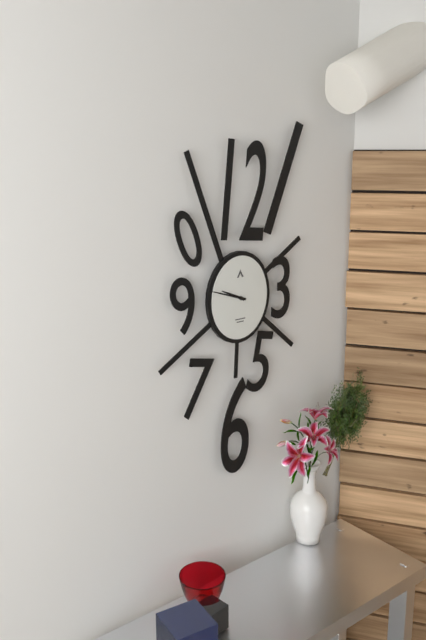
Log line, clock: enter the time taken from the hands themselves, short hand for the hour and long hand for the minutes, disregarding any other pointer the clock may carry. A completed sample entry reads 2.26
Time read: 9.48
